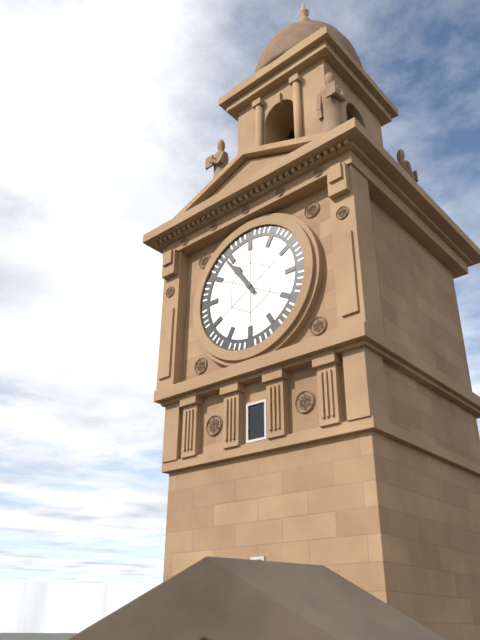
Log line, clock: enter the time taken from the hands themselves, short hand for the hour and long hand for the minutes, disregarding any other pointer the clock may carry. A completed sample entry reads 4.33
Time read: 10.54
